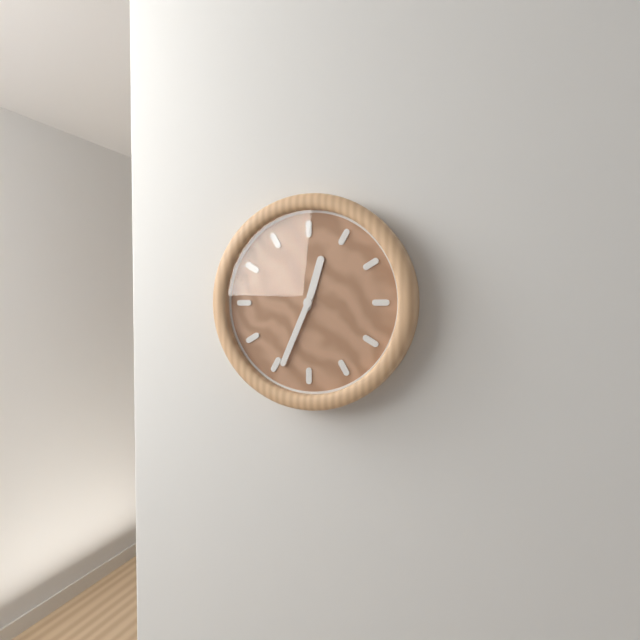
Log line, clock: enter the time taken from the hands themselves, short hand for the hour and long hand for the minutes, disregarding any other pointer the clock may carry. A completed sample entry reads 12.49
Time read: 12.34
